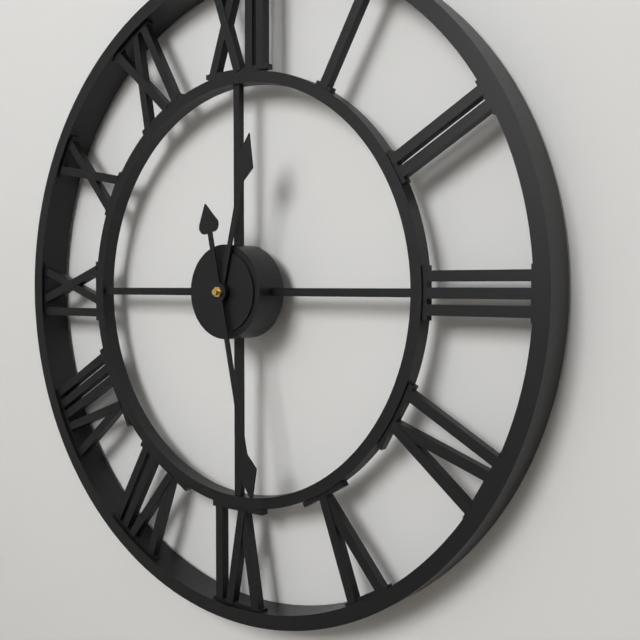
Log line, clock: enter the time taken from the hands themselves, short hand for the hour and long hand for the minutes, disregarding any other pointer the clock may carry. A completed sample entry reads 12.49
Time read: 12.28
